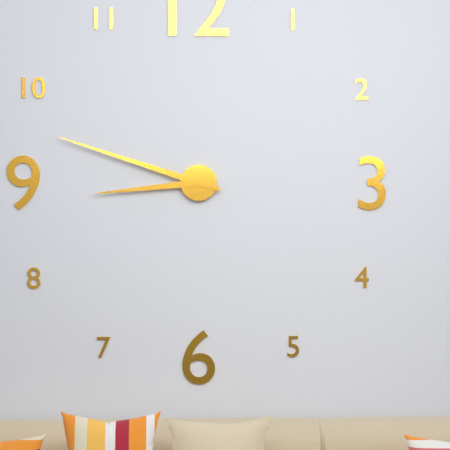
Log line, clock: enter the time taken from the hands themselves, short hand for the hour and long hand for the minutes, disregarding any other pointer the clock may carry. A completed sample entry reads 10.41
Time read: 8.48
